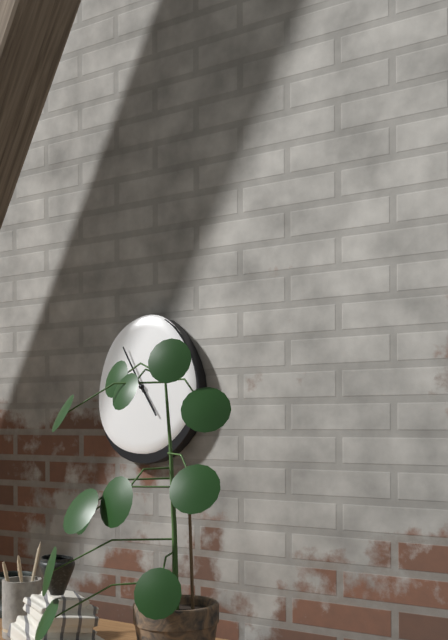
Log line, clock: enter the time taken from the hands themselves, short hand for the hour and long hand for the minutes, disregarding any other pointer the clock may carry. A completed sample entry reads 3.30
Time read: 4.55
